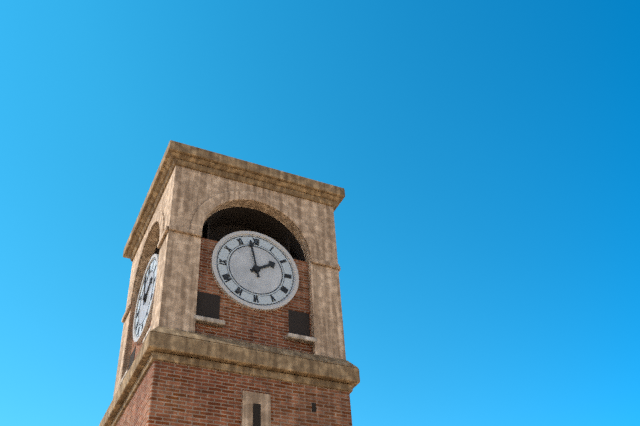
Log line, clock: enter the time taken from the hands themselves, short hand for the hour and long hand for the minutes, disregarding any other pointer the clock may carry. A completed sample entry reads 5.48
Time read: 1.58
